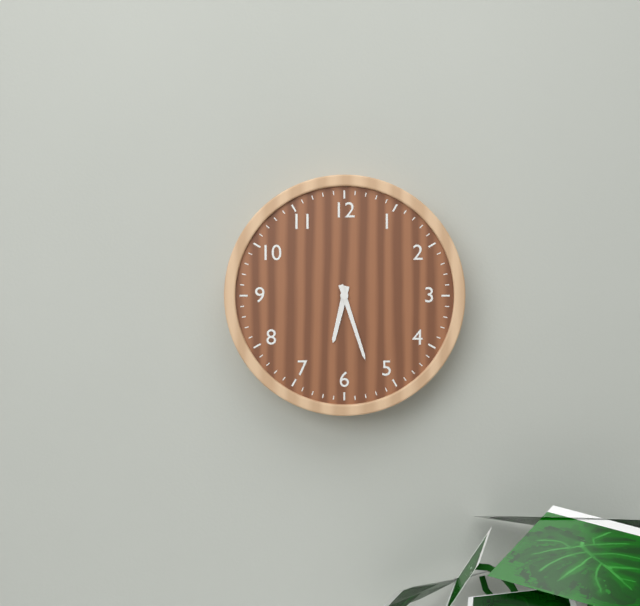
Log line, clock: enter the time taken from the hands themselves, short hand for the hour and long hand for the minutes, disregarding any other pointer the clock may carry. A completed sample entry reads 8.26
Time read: 6.27
